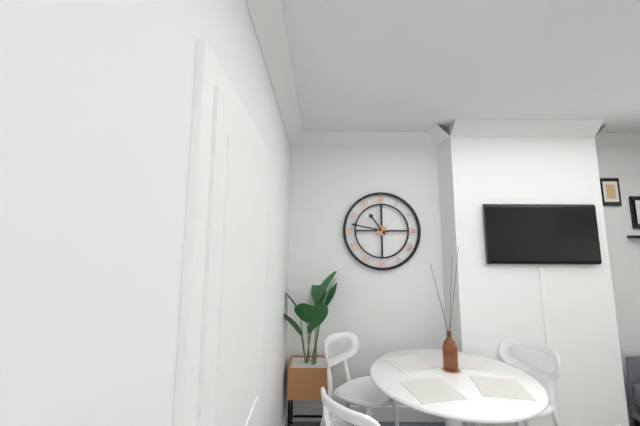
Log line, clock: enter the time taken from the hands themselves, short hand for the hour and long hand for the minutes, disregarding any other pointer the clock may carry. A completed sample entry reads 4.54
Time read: 10.47
